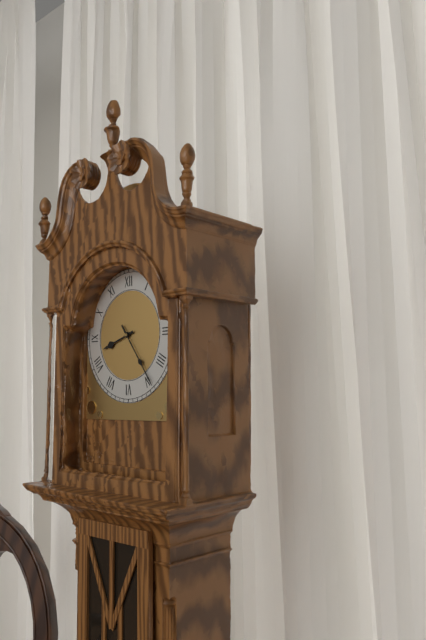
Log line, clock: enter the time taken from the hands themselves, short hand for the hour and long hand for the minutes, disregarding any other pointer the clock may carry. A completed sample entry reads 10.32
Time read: 8.24
